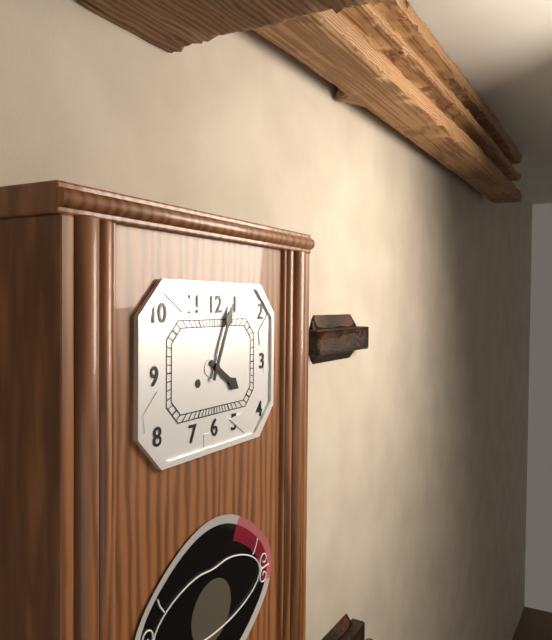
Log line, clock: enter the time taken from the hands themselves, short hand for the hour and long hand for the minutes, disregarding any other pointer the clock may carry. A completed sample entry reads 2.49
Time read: 4.04
